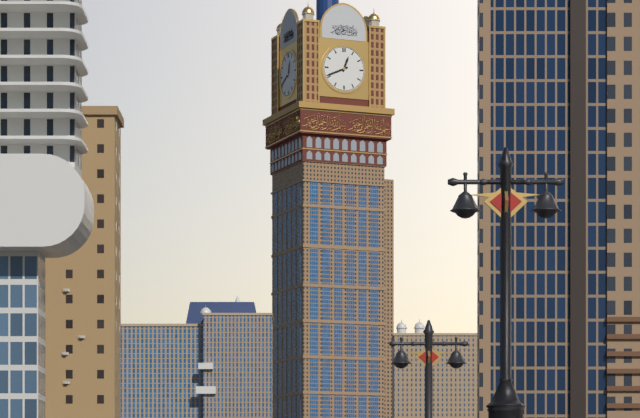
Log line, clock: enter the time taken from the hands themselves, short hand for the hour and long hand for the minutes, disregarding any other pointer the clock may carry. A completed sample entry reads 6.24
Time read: 12.41
